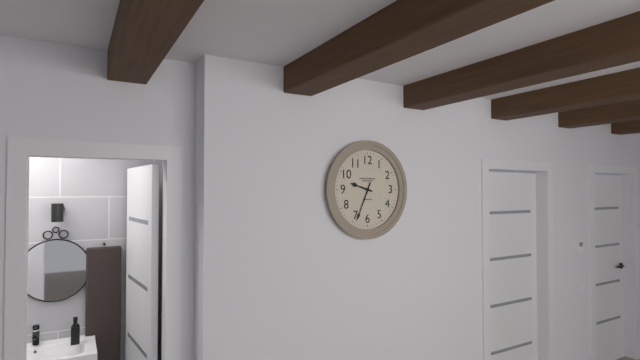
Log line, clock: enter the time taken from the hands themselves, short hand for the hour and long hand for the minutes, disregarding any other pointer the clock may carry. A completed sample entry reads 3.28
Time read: 9.34
